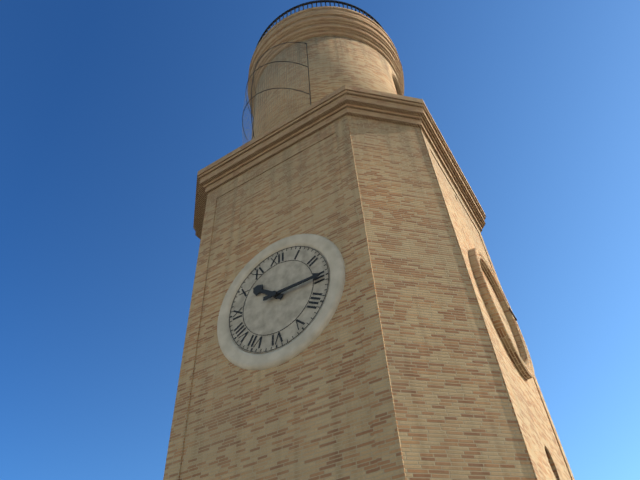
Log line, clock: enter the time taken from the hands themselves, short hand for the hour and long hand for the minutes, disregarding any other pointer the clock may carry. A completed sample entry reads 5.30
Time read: 10.15
